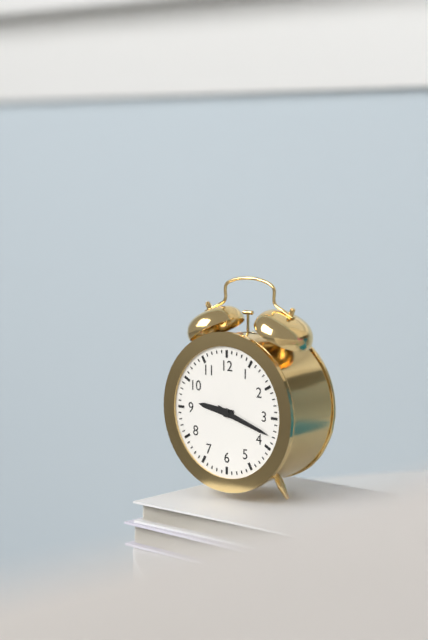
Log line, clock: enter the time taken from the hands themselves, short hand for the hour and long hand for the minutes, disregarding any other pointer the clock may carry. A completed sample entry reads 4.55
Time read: 9.18
